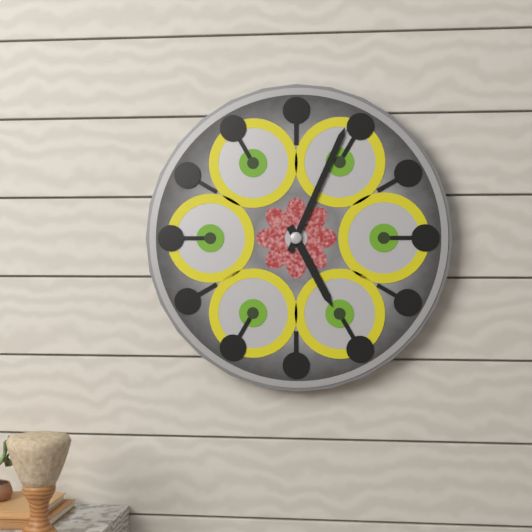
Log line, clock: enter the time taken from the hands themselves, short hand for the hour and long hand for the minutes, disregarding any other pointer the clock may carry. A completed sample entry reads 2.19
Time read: 5.04
